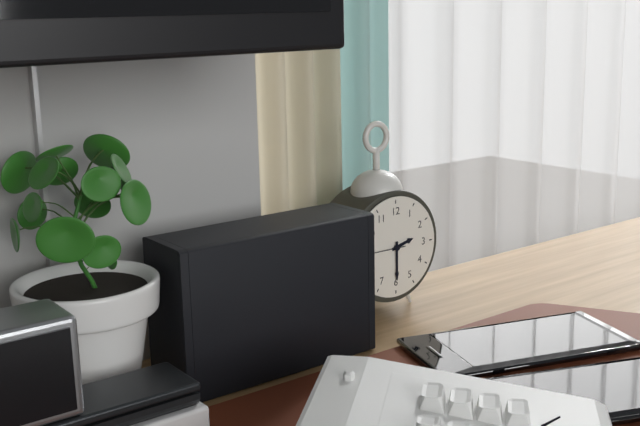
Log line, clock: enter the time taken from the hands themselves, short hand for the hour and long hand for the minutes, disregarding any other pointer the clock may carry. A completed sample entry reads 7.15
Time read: 2.30
